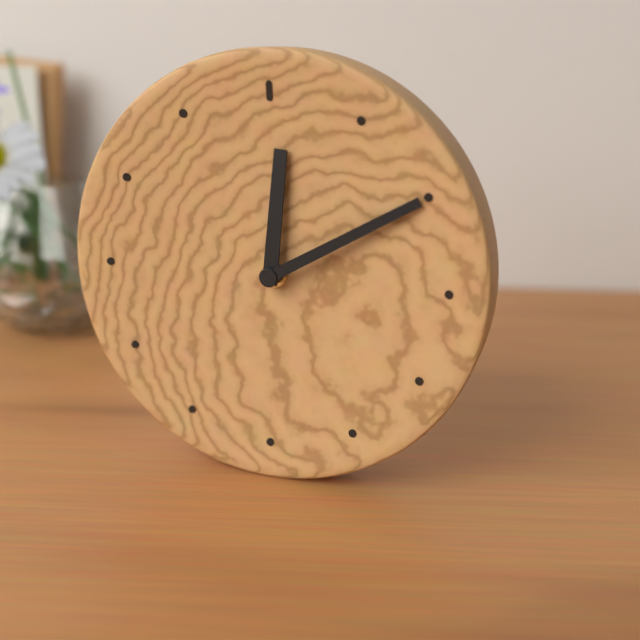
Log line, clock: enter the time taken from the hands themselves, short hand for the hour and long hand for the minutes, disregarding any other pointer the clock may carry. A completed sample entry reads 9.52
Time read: 12.10
